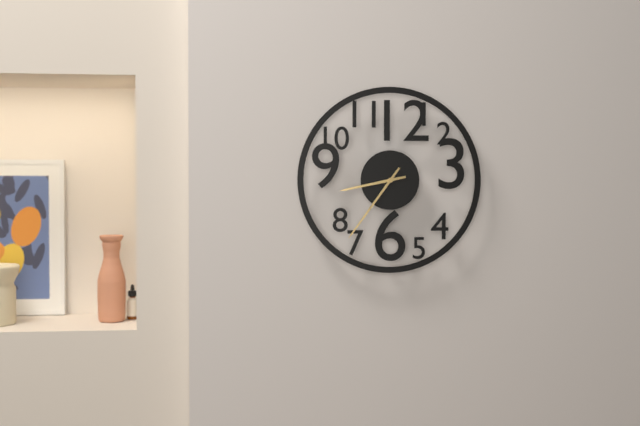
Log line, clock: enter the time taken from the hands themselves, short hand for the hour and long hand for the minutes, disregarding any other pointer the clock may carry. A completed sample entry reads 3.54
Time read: 8.36
